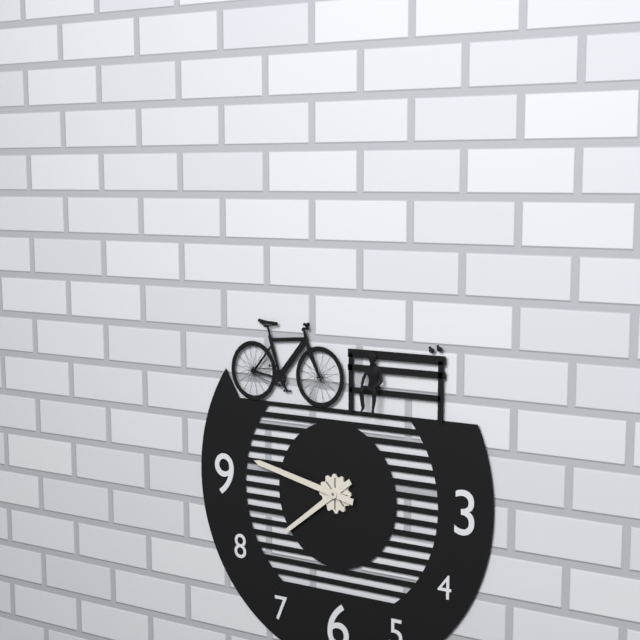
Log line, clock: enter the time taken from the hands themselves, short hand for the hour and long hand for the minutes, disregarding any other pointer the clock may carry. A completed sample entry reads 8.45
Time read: 7.47
